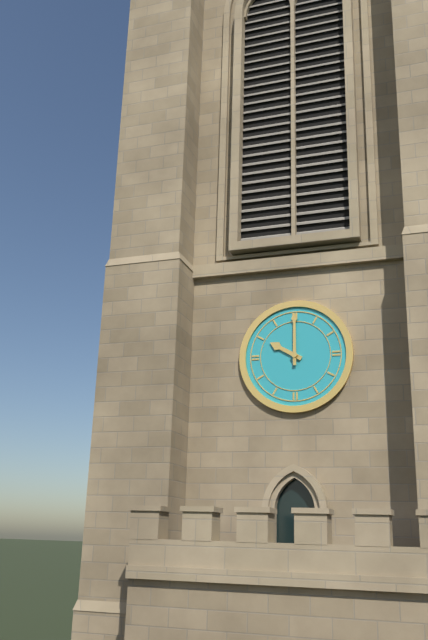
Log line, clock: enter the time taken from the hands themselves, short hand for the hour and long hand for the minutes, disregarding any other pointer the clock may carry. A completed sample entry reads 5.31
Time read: 10.00
